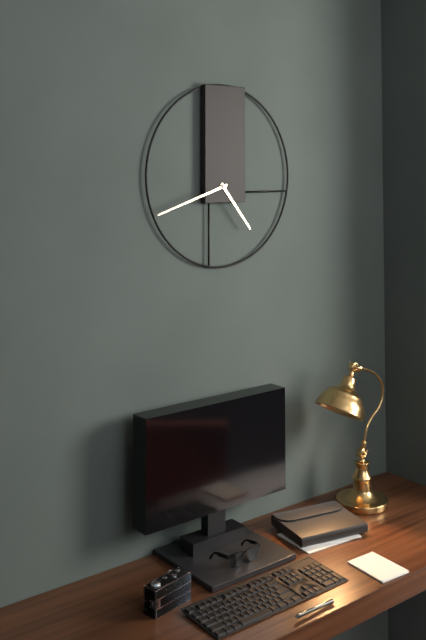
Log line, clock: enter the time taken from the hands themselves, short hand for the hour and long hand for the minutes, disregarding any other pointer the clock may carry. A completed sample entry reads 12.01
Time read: 4.42
